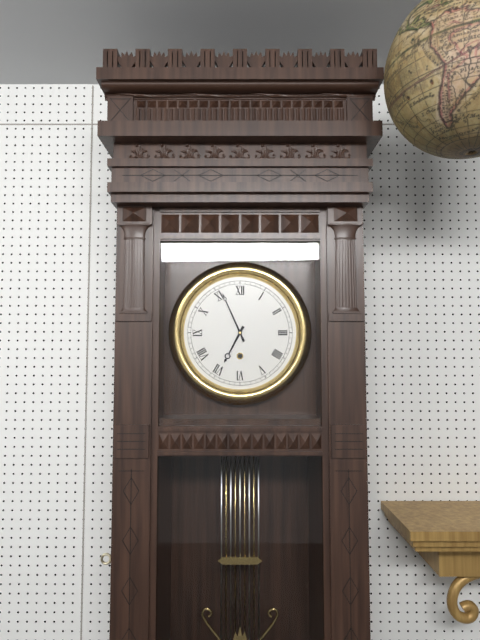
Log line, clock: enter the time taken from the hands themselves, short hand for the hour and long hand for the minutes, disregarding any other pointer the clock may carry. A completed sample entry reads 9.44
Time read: 6.56
